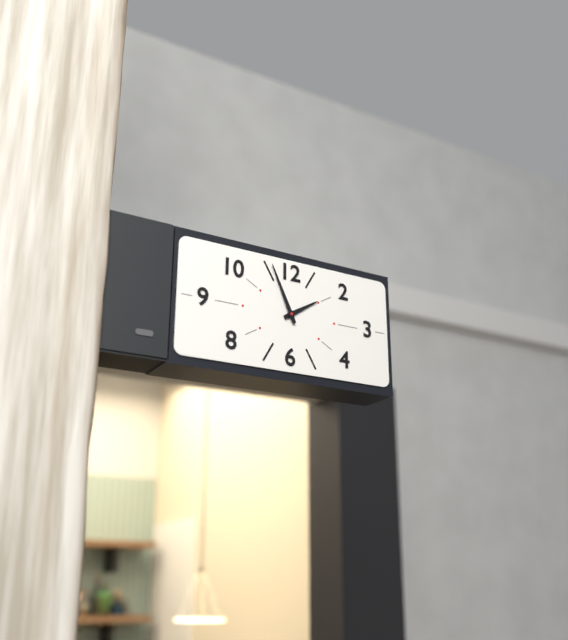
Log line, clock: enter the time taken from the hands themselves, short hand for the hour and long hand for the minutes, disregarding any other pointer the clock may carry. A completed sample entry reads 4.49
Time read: 1.56
